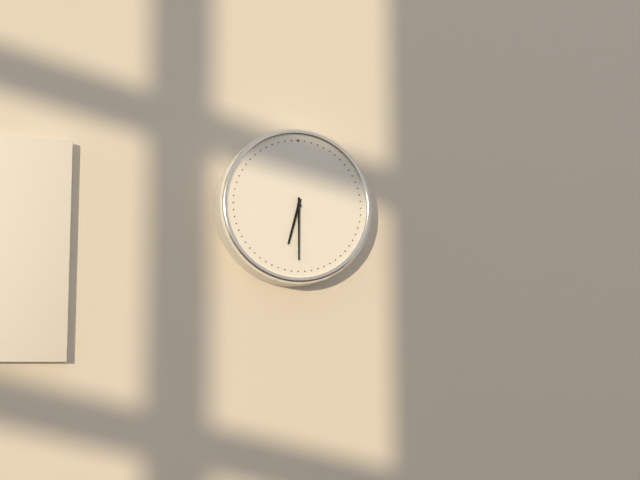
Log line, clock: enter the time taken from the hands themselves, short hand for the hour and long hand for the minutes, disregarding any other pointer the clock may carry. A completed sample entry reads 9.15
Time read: 6.30
